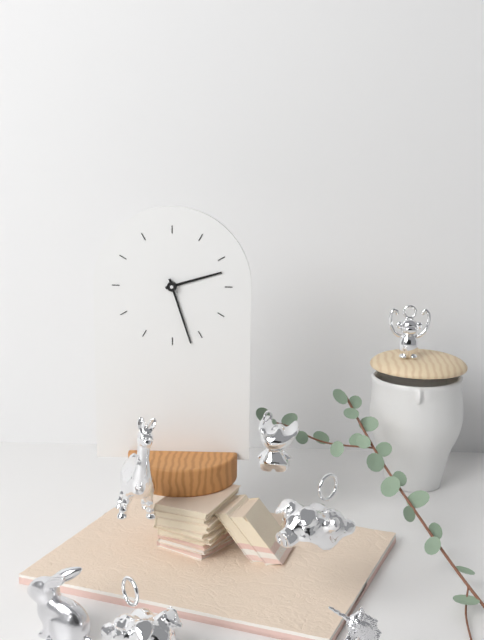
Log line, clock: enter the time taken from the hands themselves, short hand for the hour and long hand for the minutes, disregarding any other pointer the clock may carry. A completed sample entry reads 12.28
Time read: 2.27
